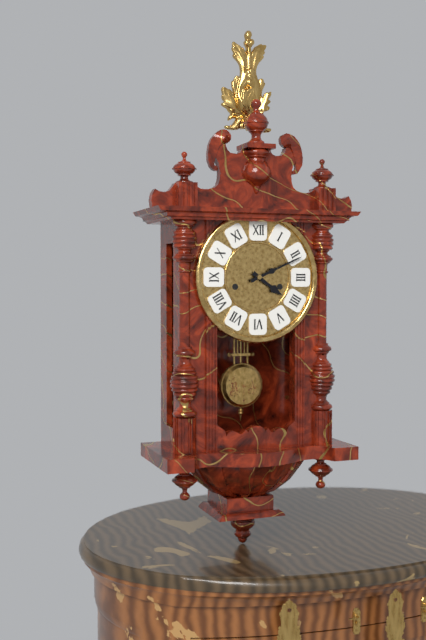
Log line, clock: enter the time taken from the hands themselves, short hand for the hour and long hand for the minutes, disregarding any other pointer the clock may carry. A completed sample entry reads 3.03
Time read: 4.11
